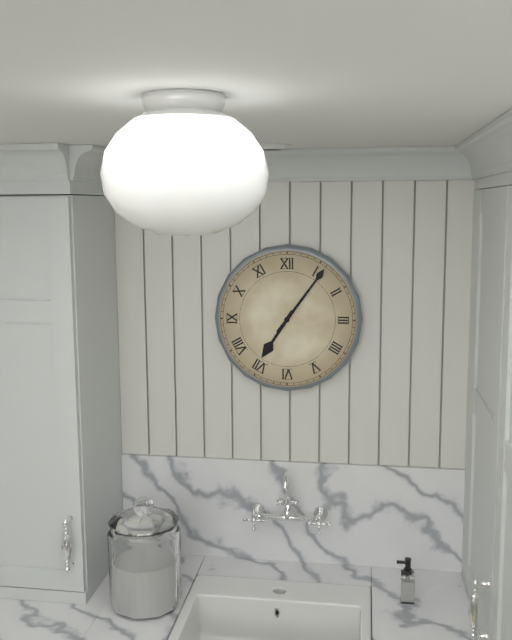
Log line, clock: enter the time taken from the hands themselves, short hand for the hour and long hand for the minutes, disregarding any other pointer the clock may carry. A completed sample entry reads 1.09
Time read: 7.06
